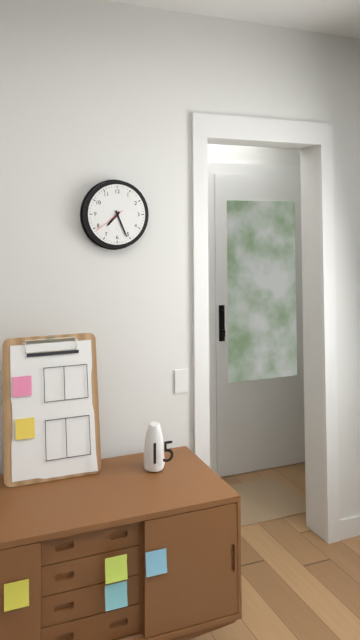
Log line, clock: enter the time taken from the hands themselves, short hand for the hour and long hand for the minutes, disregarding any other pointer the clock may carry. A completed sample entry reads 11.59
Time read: 7.26
